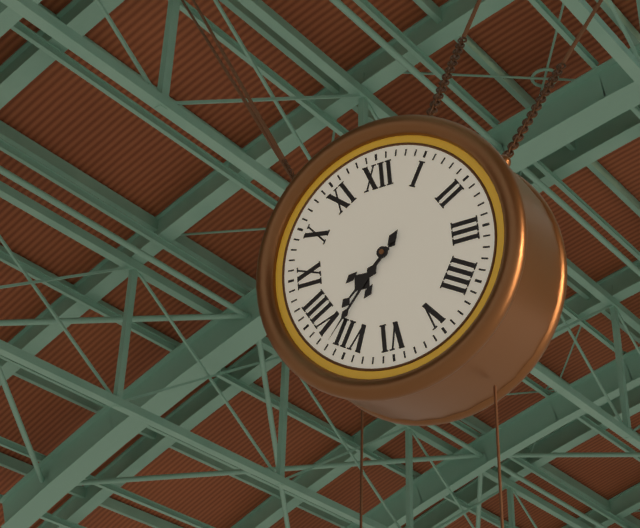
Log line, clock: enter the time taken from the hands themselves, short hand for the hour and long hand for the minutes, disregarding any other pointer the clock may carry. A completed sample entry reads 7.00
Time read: 7.37
